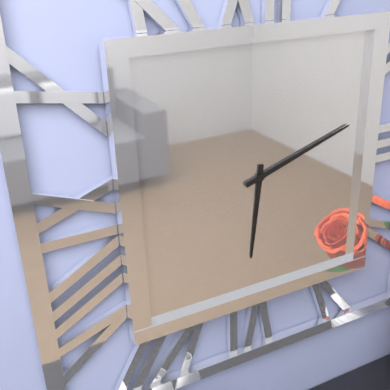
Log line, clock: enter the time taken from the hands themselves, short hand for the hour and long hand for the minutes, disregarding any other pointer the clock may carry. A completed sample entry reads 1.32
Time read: 6.12
